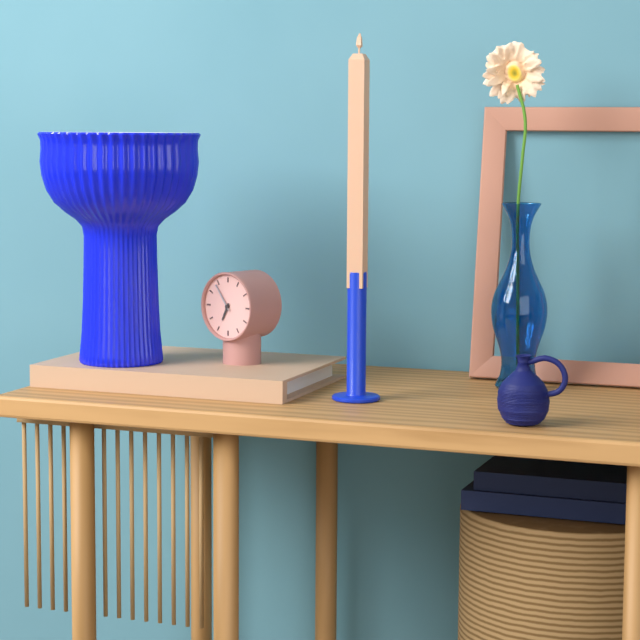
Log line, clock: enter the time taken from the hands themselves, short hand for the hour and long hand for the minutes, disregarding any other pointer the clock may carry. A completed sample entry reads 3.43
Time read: 6.54
